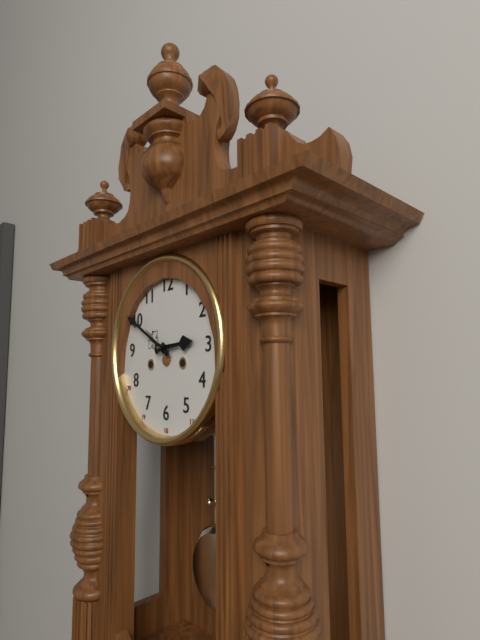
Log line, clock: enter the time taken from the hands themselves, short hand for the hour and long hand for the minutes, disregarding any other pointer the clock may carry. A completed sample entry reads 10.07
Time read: 2.50
